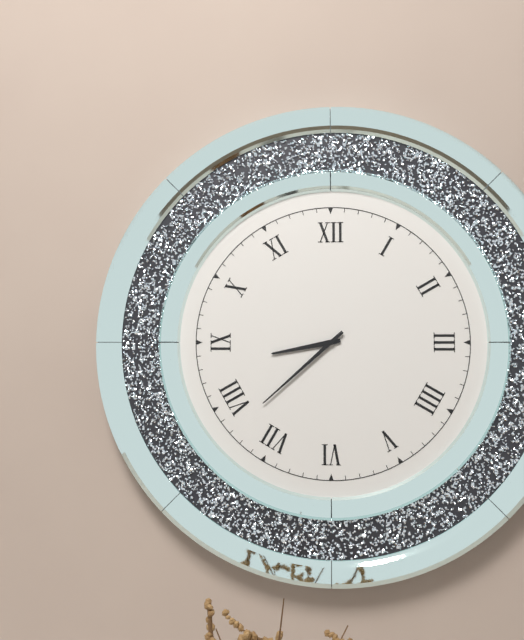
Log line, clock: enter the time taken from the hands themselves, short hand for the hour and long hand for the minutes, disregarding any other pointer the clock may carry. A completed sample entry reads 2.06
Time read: 8.38
